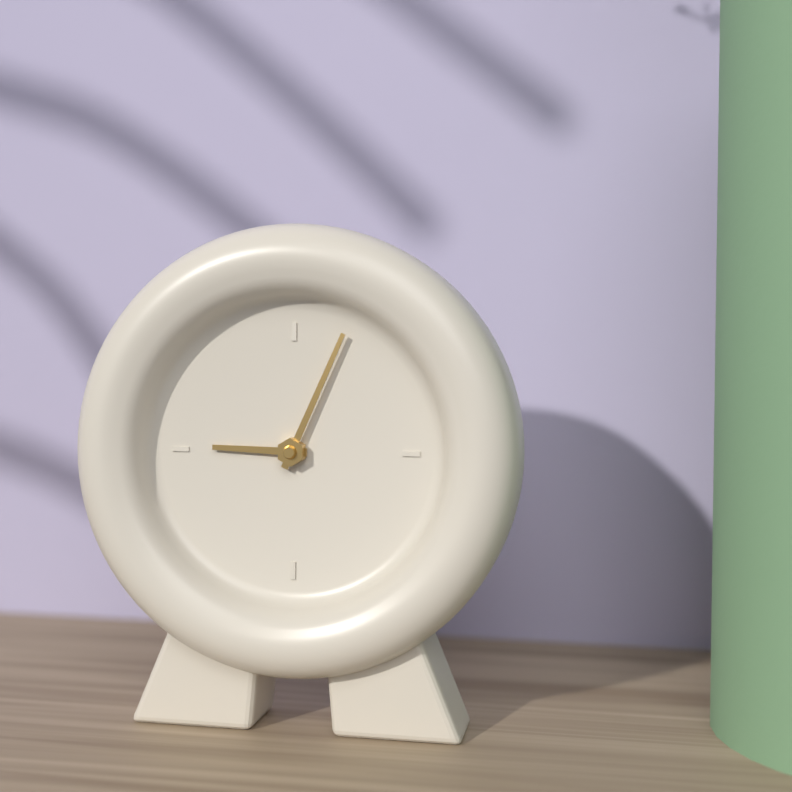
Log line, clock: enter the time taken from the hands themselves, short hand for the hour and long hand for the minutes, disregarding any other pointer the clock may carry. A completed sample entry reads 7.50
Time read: 9.04
